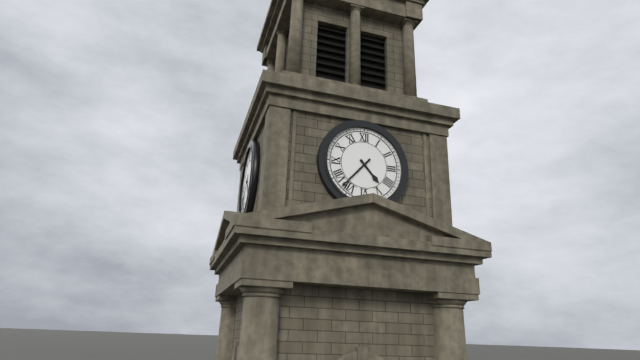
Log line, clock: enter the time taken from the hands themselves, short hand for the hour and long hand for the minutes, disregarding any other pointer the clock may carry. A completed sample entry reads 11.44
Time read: 4.37
